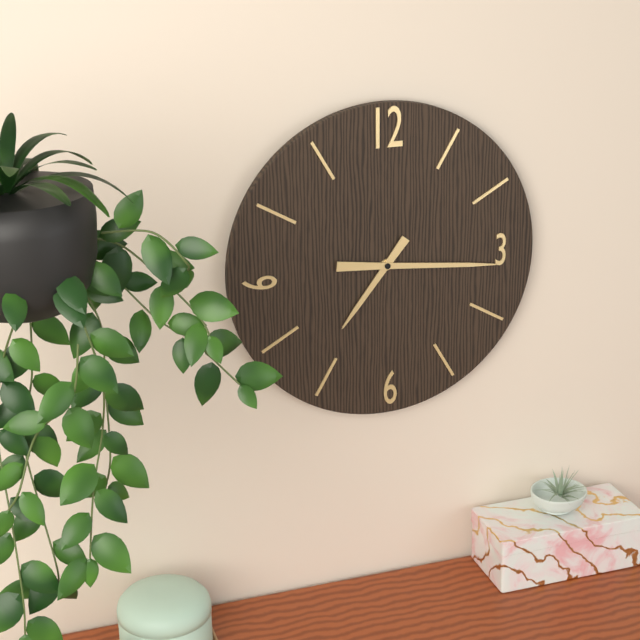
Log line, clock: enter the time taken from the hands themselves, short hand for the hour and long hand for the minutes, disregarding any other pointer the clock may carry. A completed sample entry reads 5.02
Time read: 7.16
